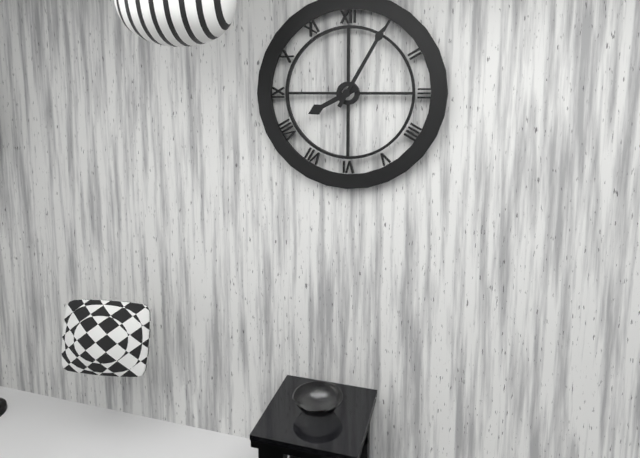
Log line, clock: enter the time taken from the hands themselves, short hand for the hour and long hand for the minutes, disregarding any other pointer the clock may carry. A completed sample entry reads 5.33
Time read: 8.05
